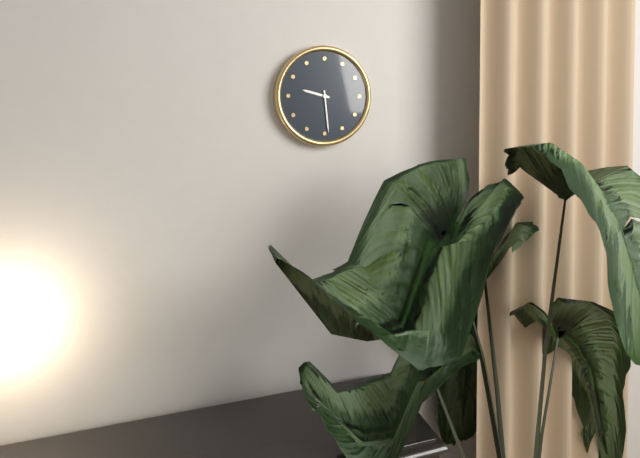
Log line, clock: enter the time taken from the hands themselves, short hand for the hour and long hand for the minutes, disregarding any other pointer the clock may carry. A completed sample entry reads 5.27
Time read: 9.29
